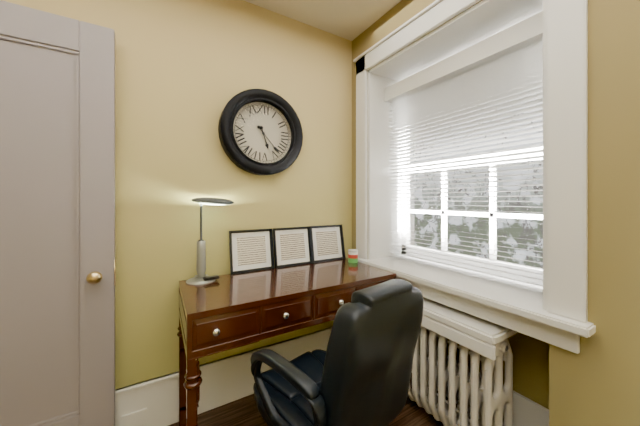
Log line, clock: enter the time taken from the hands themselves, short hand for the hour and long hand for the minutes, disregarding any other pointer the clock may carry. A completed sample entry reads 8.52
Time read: 5.23
